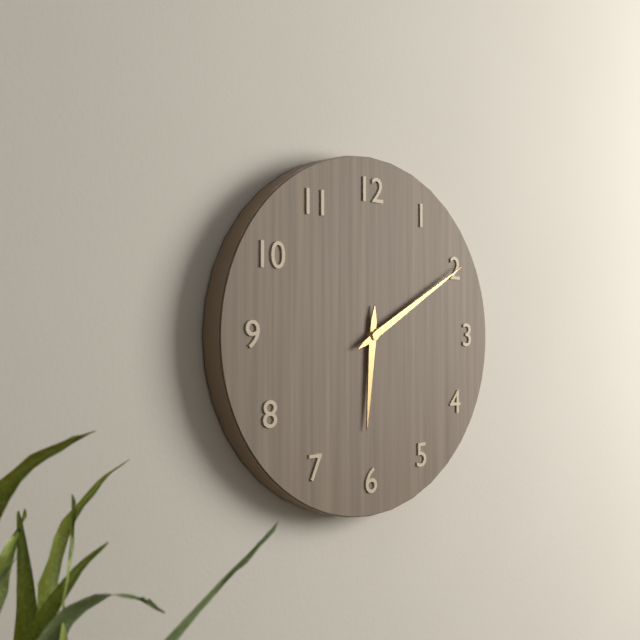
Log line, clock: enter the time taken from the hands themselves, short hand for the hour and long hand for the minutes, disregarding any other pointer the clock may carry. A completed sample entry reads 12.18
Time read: 6.10
